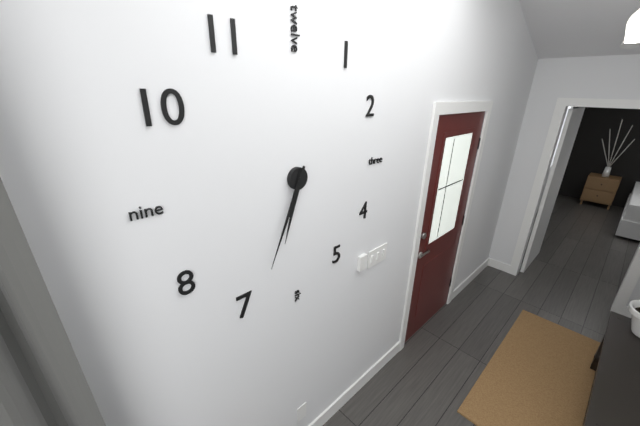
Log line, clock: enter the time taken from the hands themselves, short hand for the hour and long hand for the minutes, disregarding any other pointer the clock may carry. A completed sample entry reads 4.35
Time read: 6.34
